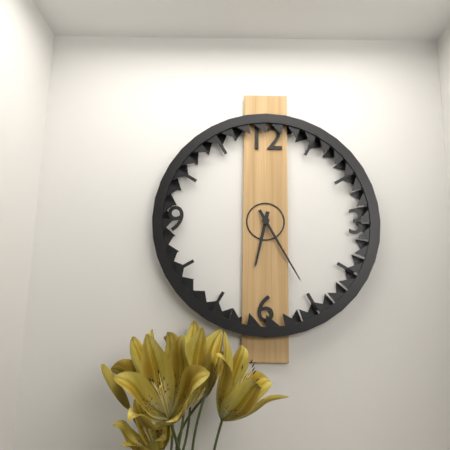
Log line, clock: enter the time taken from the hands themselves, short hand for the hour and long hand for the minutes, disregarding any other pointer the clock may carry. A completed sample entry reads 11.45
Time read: 6.25
